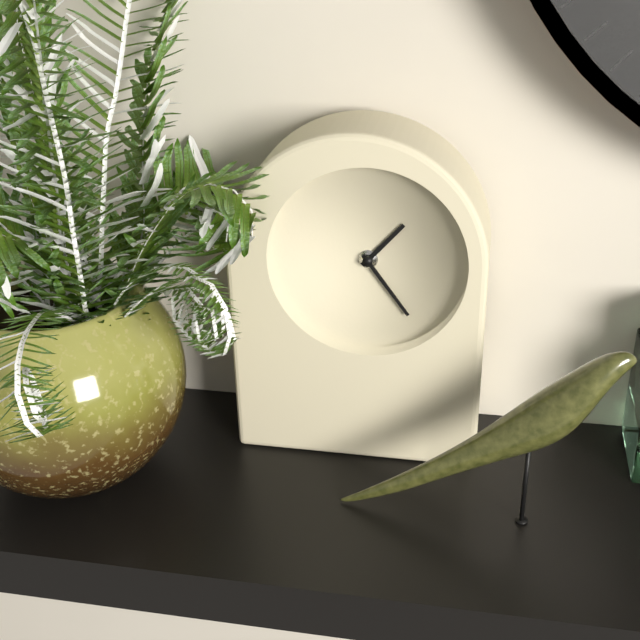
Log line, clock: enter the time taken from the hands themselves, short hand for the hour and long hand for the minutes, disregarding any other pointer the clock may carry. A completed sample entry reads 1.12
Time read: 1.24
